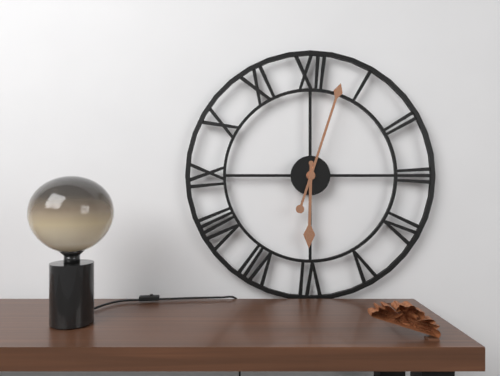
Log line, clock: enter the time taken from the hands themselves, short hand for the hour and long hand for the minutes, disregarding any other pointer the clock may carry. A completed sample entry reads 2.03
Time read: 6.03
